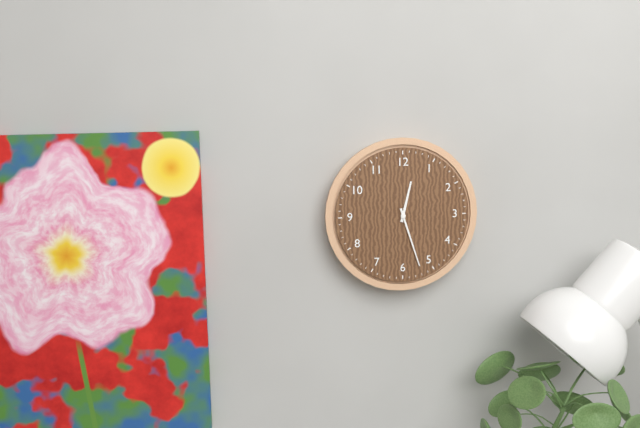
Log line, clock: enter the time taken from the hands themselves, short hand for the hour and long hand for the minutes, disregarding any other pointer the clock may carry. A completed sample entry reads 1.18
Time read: 12.27
